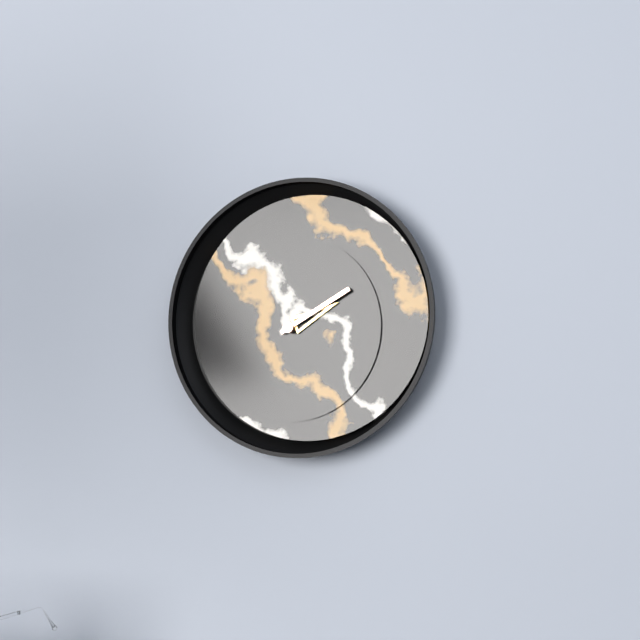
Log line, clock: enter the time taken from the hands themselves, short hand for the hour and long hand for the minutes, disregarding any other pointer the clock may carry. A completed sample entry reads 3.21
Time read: 2.10
